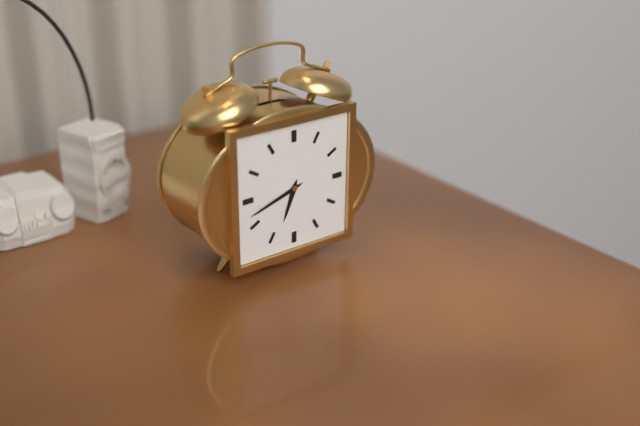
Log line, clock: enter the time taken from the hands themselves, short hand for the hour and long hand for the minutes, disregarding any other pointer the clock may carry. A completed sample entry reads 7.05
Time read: 6.42
